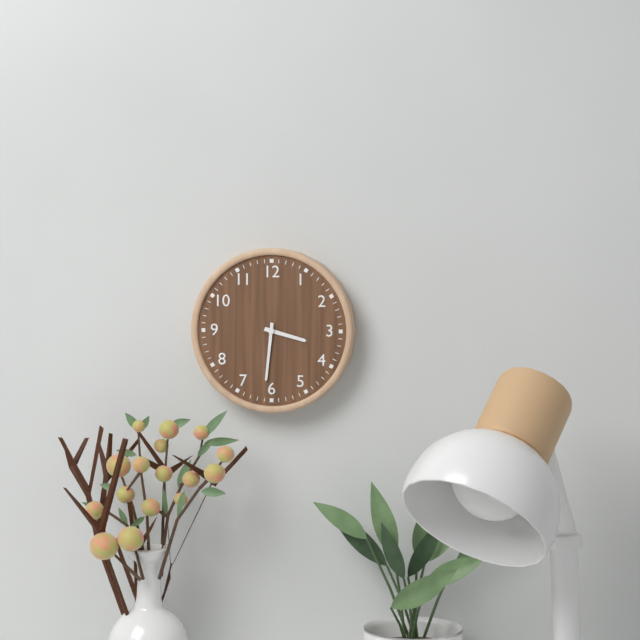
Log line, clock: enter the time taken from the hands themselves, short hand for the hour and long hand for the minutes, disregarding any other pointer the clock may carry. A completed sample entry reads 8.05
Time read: 3.31
